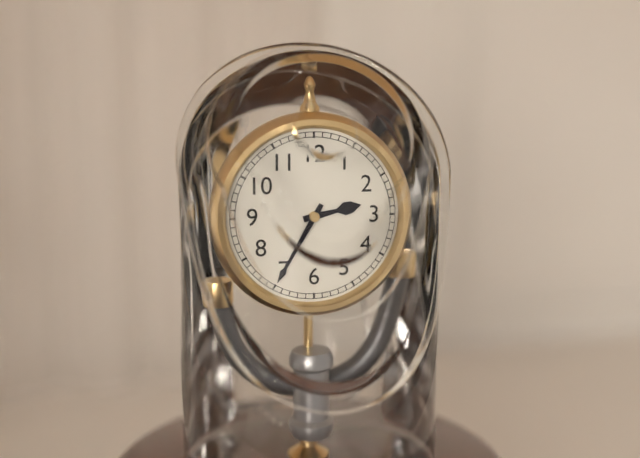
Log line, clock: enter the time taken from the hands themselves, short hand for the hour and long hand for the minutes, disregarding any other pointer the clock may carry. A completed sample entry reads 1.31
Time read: 2.35
